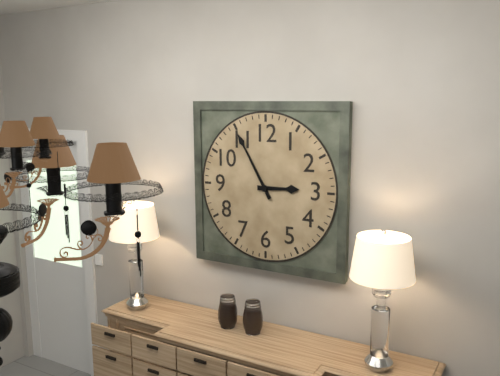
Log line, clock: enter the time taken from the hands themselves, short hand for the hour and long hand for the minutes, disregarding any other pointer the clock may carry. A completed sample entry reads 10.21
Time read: 2.55
